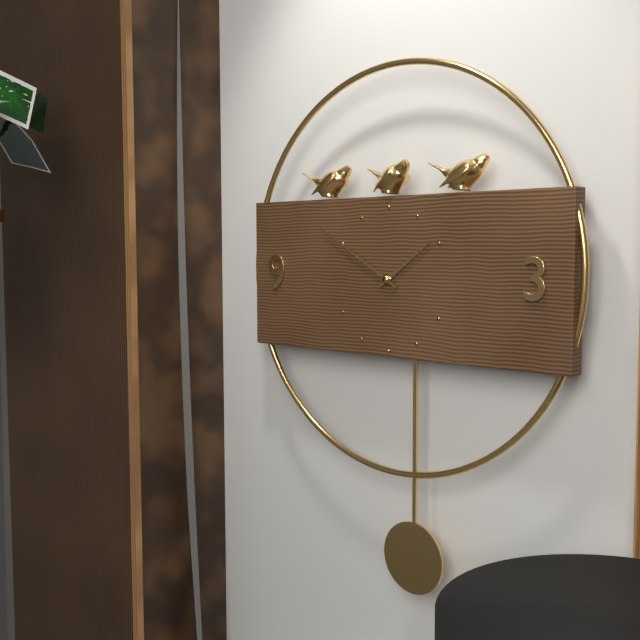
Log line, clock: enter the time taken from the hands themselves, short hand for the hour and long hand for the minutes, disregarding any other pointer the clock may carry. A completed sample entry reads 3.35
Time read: 1.50
